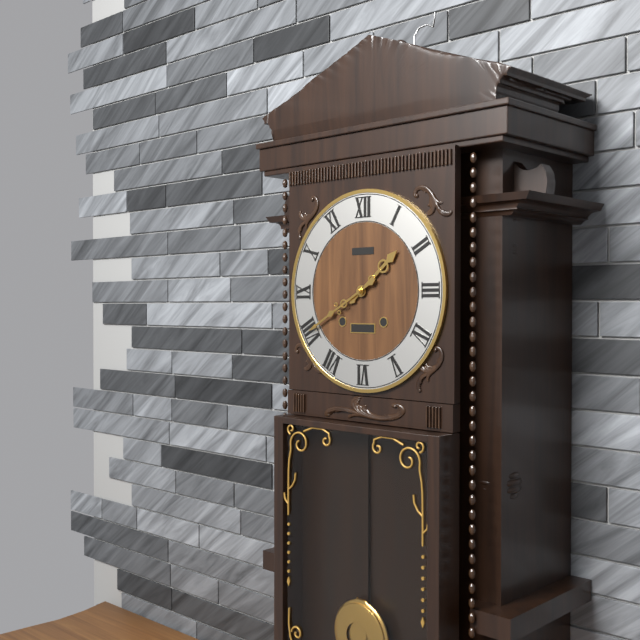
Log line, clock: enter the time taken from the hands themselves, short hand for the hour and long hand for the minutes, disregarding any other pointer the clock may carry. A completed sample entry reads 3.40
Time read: 1.40
